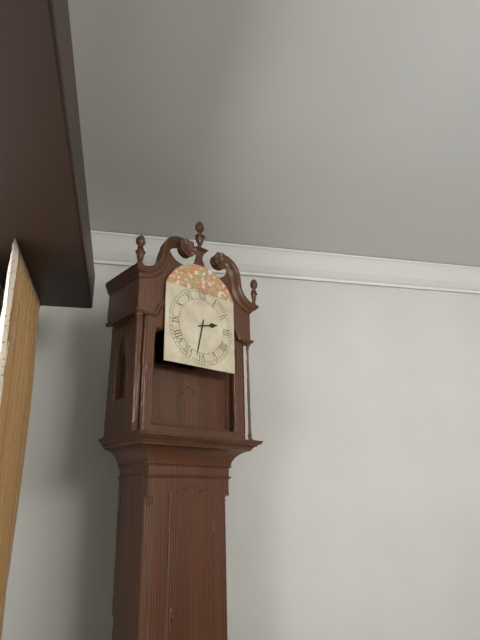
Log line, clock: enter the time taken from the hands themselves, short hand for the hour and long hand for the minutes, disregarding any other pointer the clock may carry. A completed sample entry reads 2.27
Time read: 2.32
